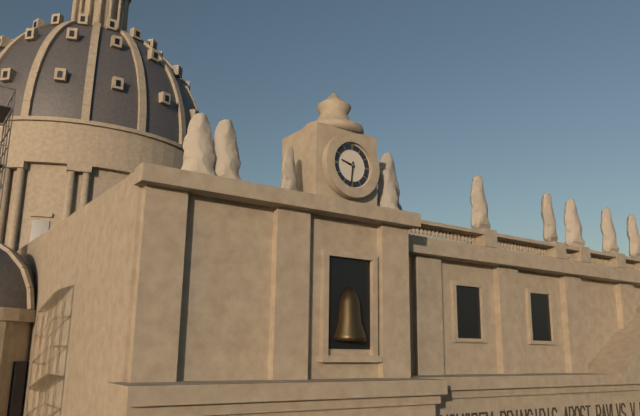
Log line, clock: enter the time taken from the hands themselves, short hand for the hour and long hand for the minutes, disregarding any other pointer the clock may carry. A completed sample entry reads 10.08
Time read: 9.31
